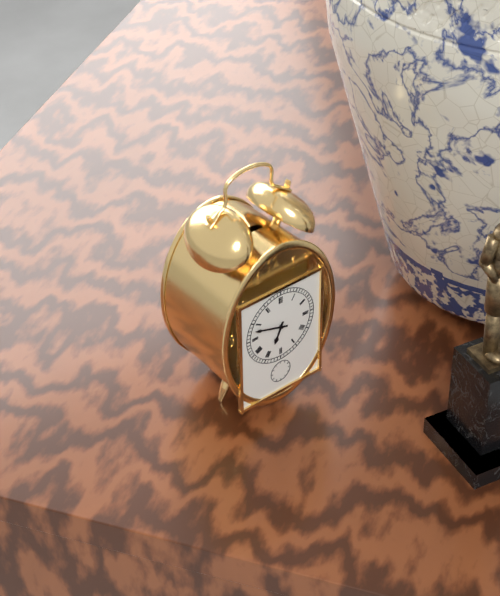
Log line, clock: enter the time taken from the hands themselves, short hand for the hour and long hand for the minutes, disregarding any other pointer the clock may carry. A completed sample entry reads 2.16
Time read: 6.48
